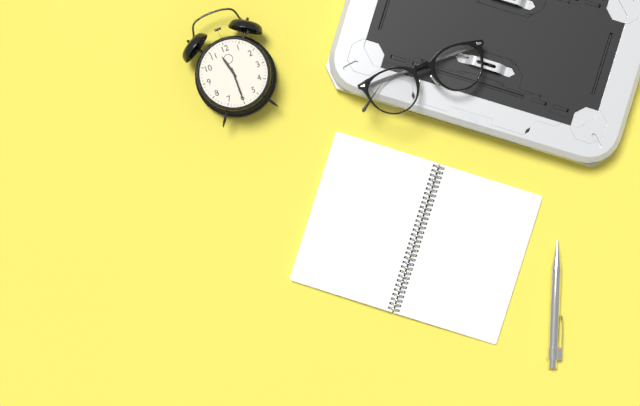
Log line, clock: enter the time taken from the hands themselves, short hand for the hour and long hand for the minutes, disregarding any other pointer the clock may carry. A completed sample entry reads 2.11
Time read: 11.30
